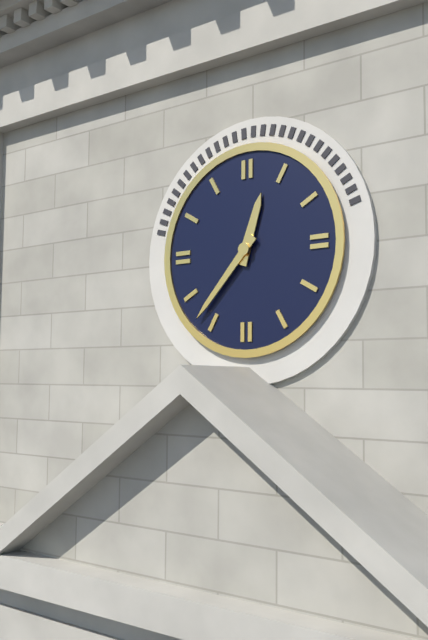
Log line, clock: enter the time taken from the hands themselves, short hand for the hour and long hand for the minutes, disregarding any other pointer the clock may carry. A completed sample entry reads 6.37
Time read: 12.37
